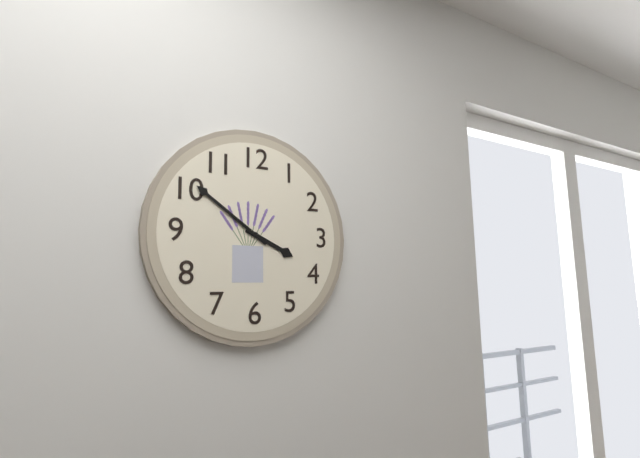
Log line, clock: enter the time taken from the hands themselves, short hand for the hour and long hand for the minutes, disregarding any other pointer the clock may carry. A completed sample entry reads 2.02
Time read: 3.51
